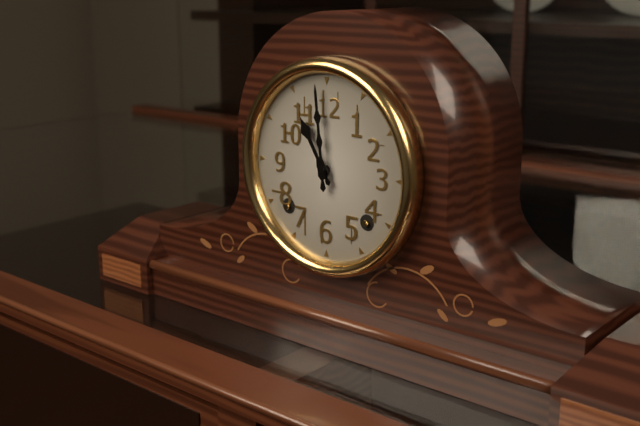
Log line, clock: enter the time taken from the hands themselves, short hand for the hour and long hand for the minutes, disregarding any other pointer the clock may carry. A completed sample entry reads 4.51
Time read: 10.59
